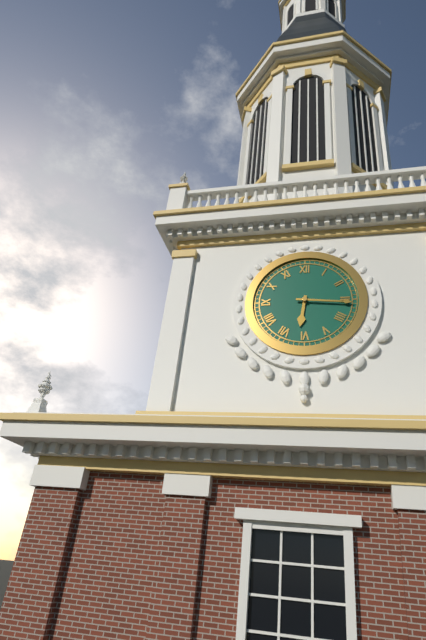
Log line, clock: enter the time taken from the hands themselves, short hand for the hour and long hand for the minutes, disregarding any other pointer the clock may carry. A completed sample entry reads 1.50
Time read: 6.16
